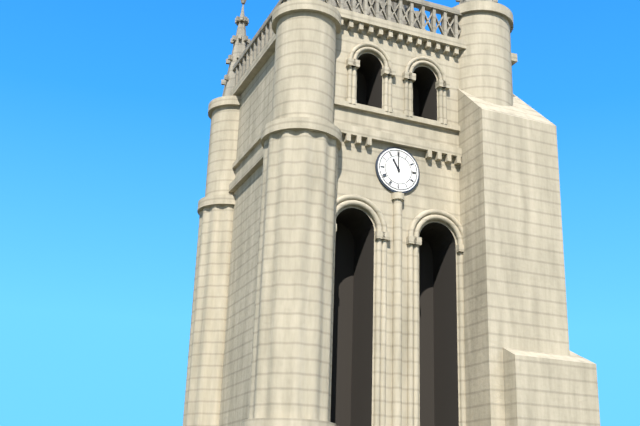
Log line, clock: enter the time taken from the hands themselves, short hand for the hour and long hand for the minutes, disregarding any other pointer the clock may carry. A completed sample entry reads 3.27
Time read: 11.00
